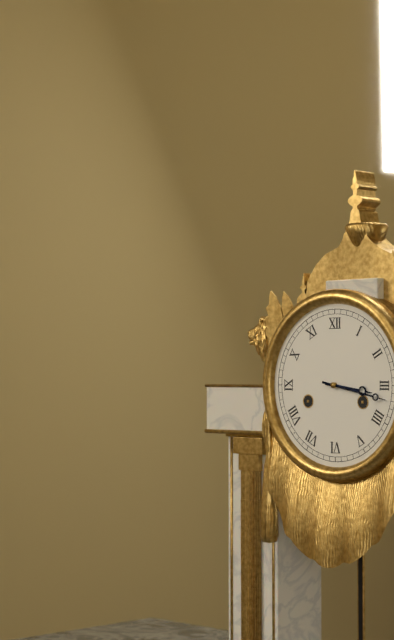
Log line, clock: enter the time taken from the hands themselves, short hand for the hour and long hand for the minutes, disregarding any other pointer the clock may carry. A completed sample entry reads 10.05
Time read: 3.17
